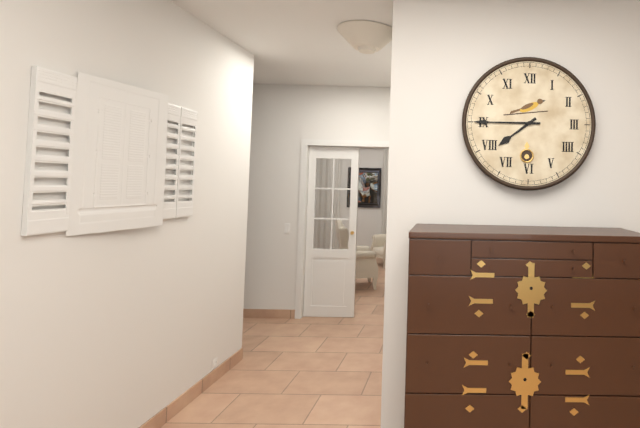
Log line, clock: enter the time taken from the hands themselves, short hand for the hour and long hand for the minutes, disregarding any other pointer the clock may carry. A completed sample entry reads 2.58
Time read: 7.45
